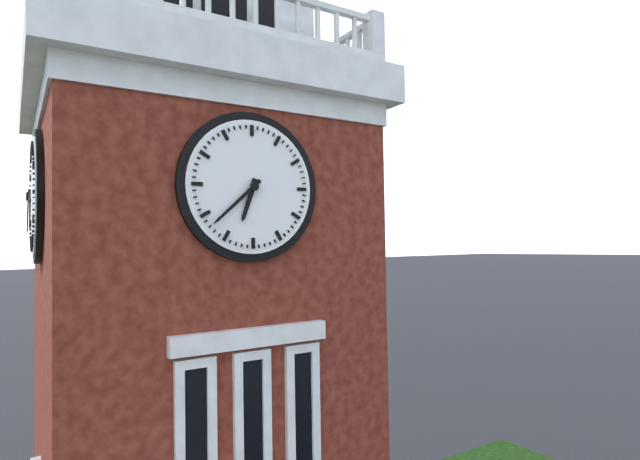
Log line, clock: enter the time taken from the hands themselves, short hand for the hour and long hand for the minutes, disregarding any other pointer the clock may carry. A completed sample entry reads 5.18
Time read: 6.38
